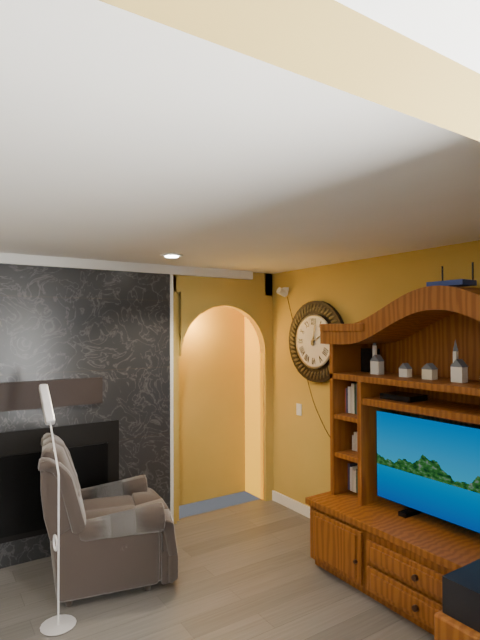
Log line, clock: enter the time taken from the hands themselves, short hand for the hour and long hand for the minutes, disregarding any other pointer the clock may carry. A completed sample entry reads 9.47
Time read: 2.02
